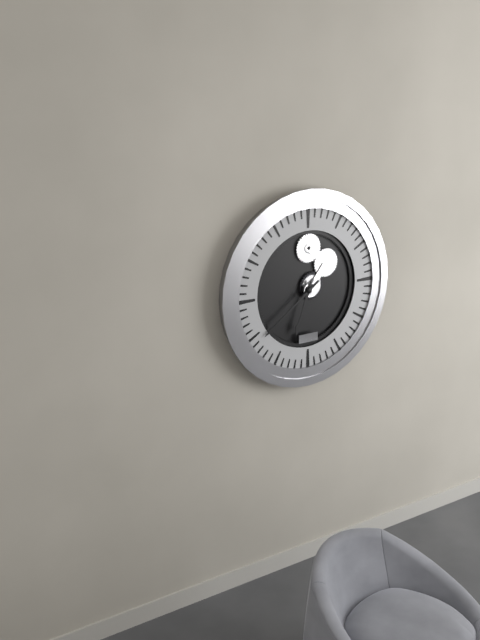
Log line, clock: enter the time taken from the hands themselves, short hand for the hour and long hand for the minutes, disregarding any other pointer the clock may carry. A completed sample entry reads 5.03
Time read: 6.39
